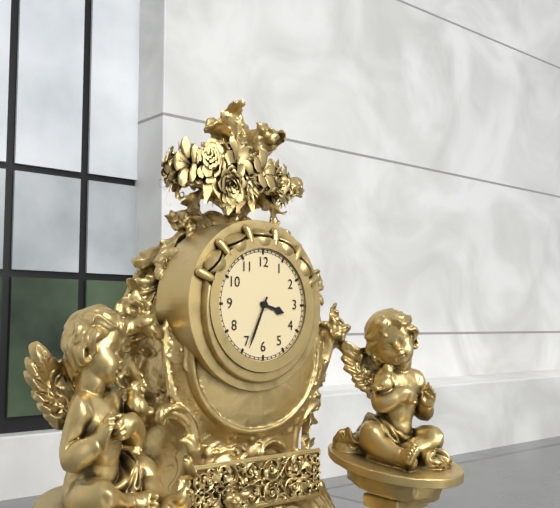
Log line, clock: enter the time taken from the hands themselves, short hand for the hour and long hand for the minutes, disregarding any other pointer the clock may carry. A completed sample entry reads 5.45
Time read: 3.34
